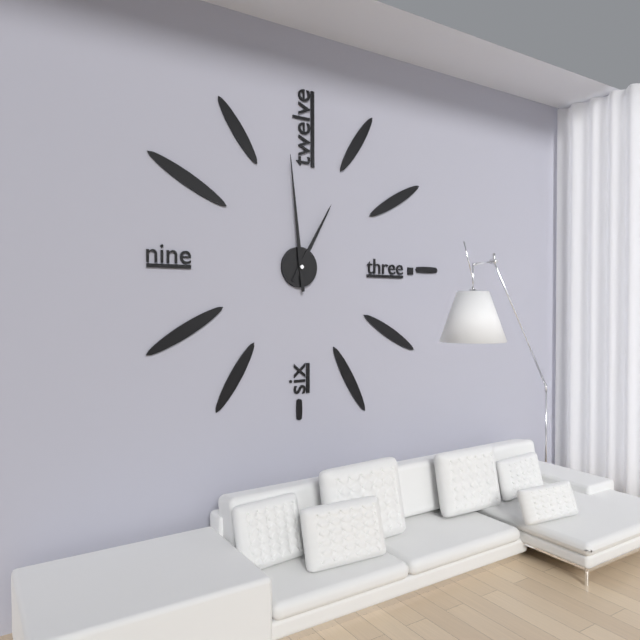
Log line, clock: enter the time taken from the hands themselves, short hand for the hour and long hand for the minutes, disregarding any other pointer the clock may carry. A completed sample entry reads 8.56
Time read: 12.59
